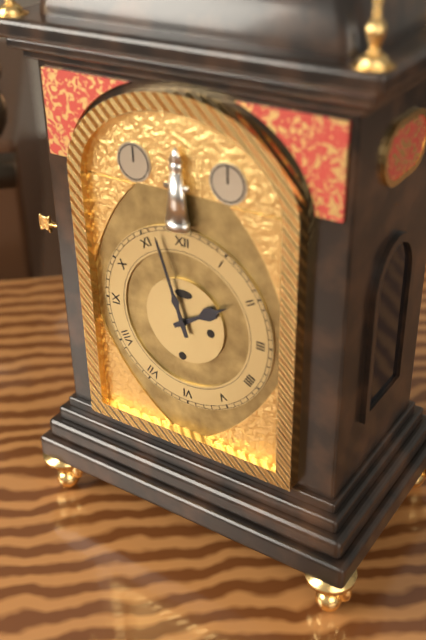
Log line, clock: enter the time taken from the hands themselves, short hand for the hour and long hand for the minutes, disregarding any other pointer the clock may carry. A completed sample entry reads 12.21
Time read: 1.57
